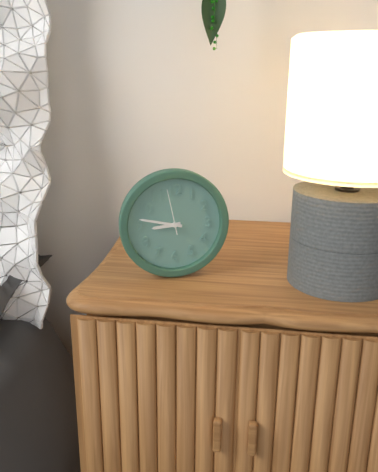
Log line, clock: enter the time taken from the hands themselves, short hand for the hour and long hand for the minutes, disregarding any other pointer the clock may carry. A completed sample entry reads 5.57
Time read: 8.47
